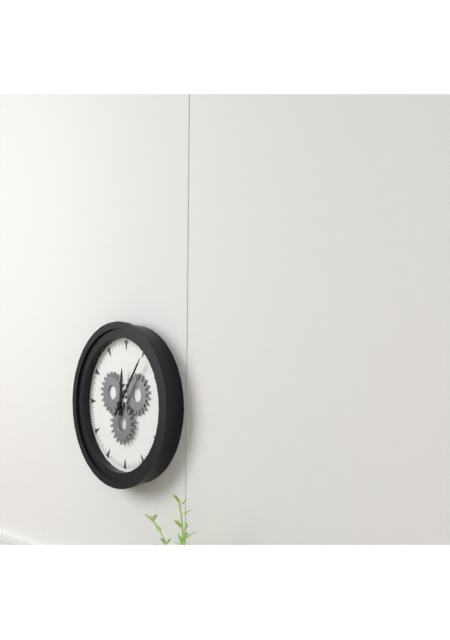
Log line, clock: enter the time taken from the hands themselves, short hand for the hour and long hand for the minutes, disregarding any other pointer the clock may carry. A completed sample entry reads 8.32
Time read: 12.06
